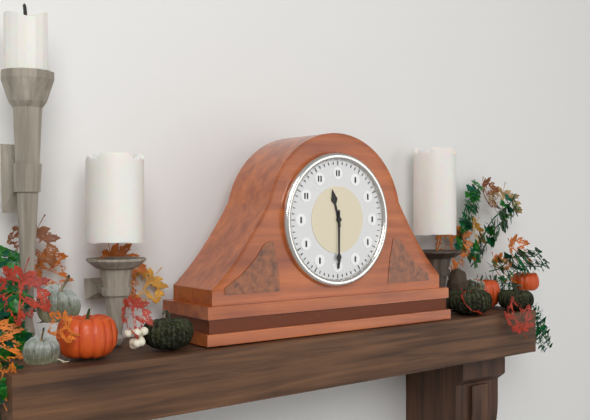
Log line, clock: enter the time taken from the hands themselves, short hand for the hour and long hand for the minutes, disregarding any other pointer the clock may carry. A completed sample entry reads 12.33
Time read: 11.30
